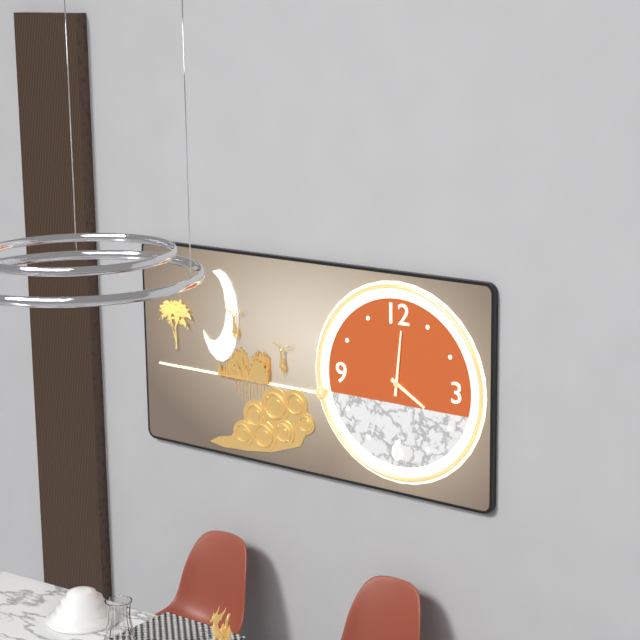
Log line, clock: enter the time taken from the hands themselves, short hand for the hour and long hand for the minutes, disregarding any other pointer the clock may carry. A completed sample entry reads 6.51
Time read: 4.01
